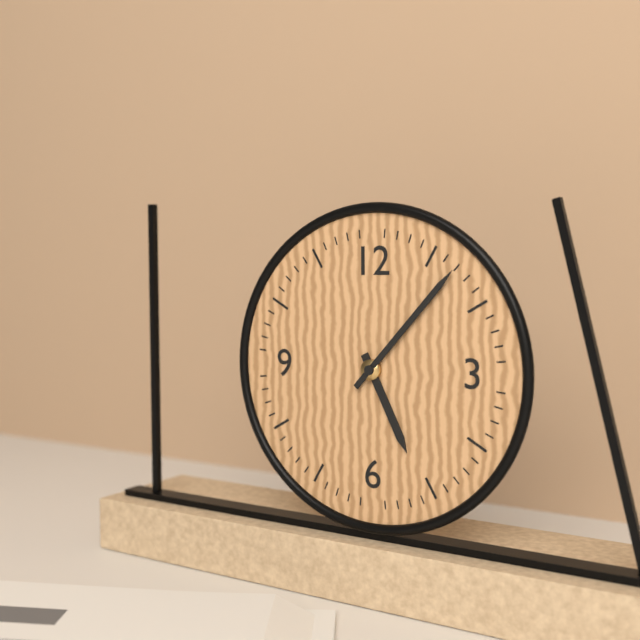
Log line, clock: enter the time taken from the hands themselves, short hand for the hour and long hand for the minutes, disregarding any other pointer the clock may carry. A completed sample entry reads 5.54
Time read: 5.07
